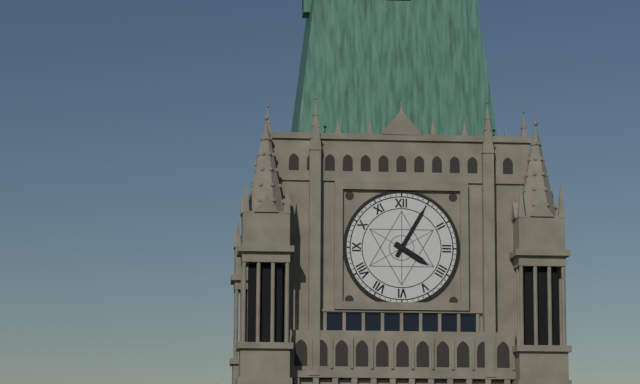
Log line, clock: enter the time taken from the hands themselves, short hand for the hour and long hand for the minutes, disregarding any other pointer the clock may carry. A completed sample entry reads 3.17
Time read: 4.05
